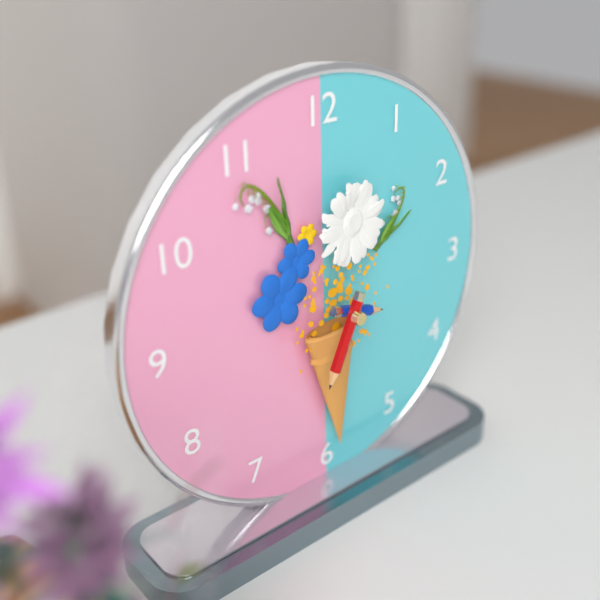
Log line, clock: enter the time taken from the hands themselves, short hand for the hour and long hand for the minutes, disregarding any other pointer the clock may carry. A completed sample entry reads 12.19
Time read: 3.34
